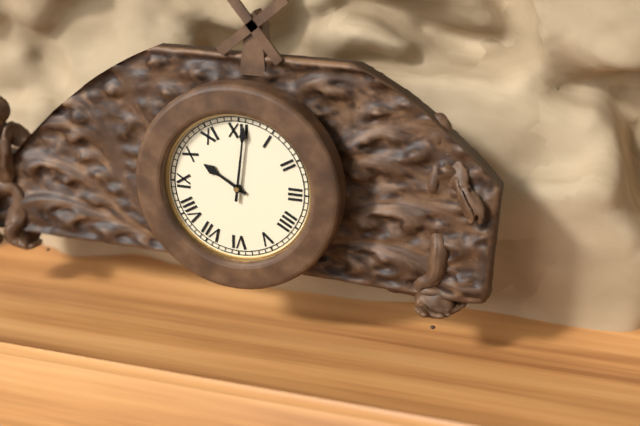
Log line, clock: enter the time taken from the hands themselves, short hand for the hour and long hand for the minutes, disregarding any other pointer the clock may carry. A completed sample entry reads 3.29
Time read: 10.01
